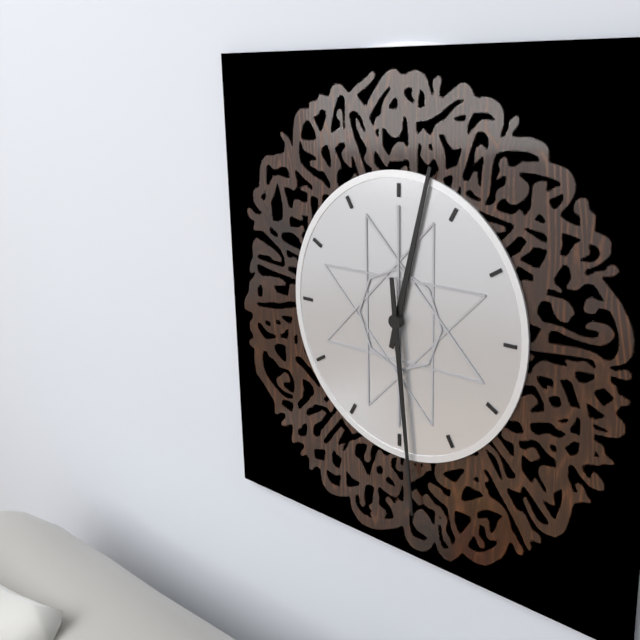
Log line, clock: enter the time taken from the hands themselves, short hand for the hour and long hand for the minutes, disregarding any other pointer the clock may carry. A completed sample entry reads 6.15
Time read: 12.29
